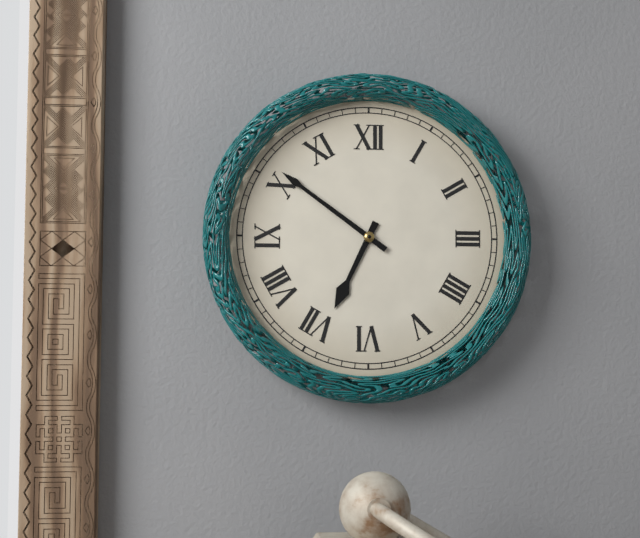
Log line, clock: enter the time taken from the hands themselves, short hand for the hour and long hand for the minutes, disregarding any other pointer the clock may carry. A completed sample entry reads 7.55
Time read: 6.51
